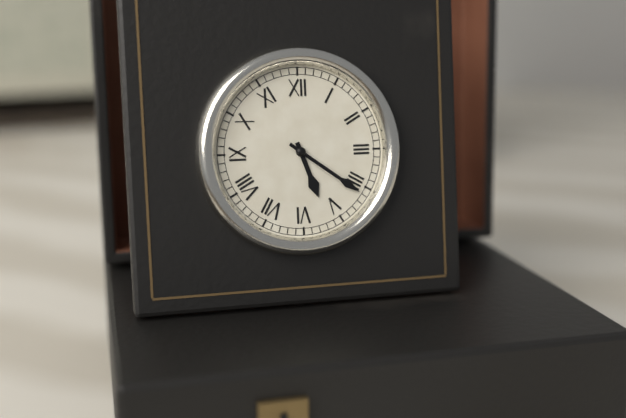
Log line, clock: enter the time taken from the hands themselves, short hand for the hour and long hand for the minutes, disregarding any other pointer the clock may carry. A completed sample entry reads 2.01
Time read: 5.21
